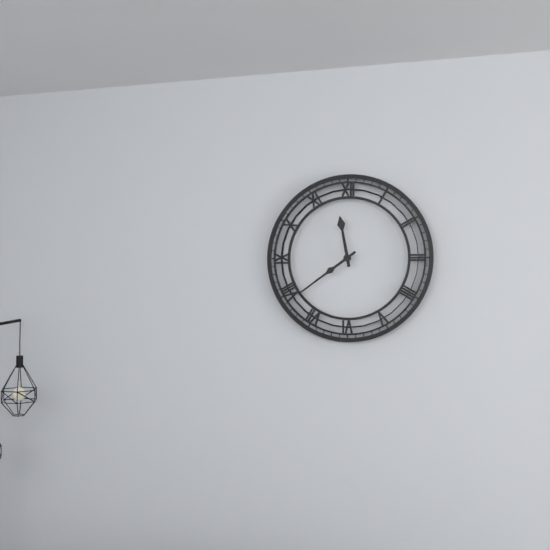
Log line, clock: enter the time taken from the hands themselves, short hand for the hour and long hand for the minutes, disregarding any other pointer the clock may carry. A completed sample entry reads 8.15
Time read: 11.39
